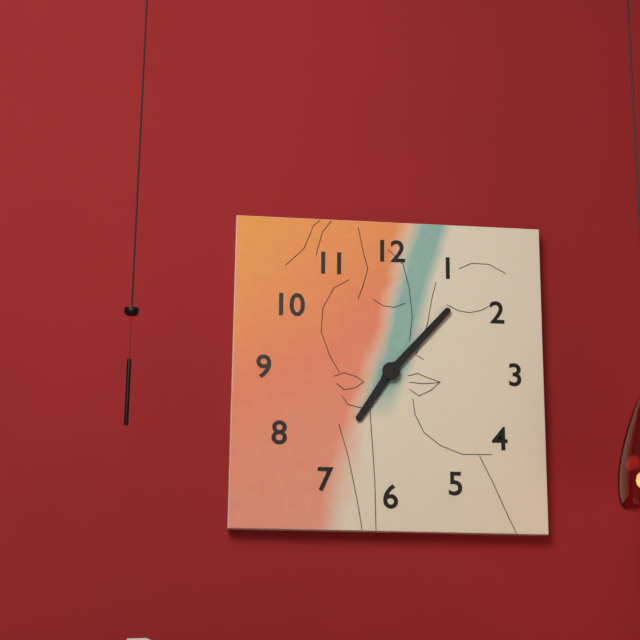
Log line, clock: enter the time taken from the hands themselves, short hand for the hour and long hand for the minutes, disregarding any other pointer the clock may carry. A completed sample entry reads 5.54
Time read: 7.07
